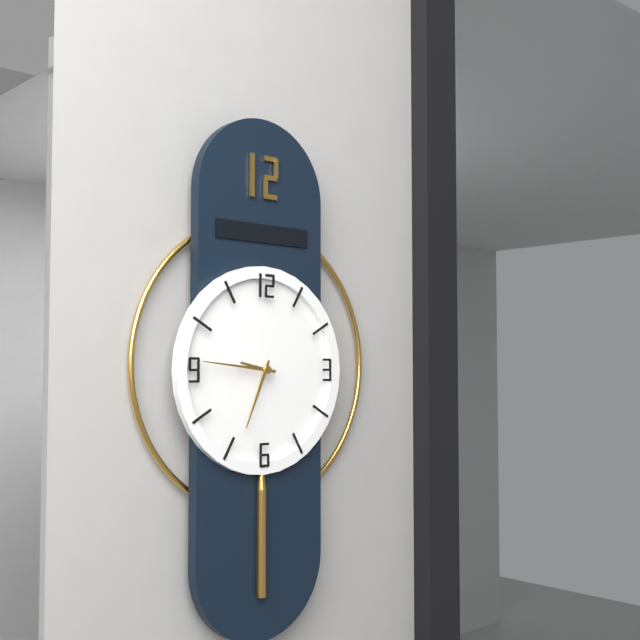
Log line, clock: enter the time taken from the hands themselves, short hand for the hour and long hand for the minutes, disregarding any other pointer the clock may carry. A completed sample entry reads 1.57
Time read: 6.46
